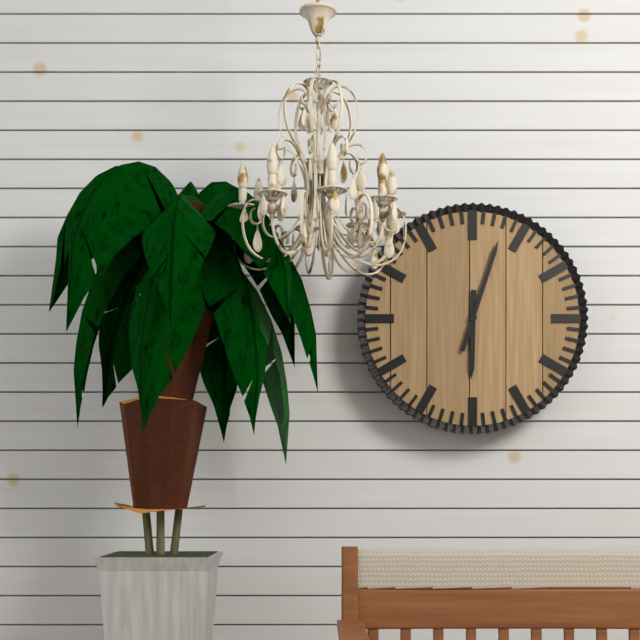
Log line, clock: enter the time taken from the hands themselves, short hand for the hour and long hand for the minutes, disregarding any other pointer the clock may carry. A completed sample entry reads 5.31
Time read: 6.03
